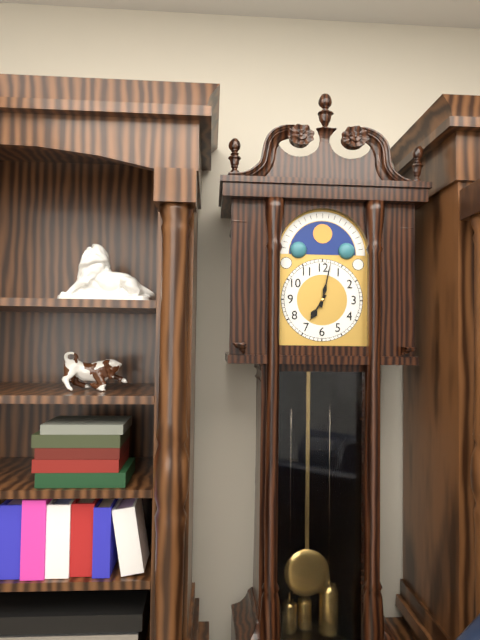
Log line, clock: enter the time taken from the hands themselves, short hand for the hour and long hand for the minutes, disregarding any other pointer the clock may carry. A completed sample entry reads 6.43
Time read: 7.02
